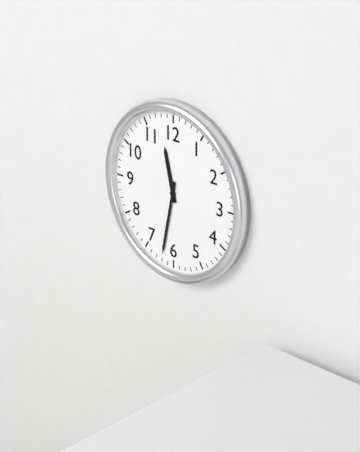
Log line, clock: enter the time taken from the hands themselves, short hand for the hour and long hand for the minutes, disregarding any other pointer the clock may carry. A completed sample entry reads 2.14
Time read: 11.32
